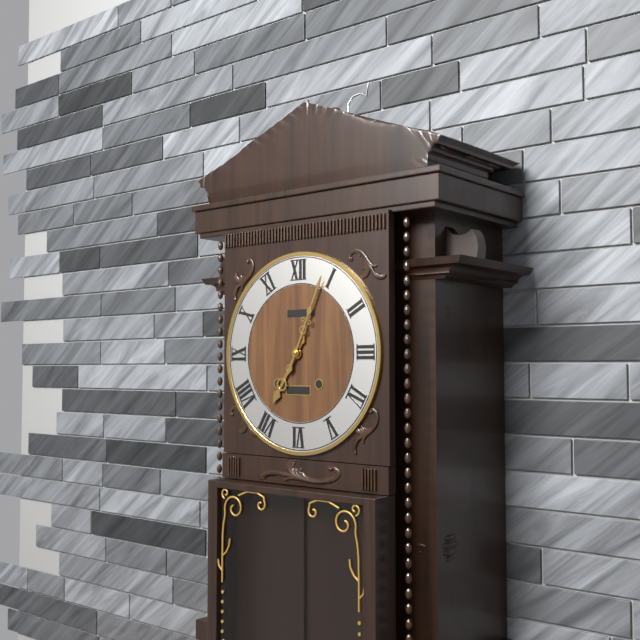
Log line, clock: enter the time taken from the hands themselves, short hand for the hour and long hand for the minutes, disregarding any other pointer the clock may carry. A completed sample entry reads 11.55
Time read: 7.04
